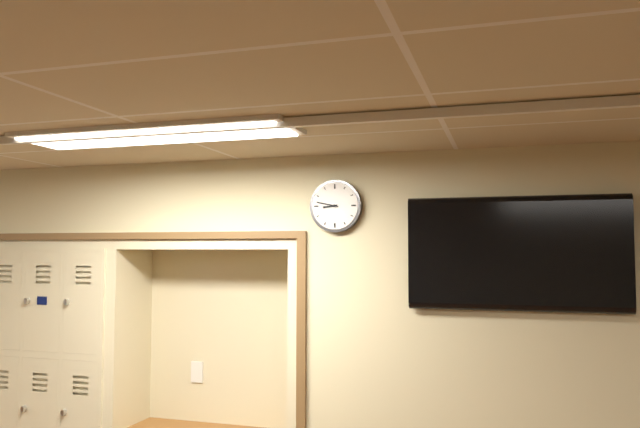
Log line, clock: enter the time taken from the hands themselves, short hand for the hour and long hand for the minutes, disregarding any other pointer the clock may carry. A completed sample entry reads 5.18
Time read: 8.47
